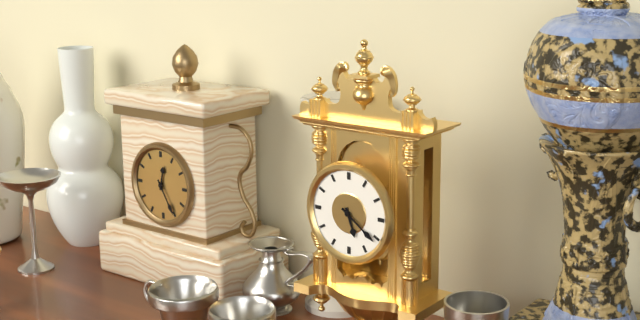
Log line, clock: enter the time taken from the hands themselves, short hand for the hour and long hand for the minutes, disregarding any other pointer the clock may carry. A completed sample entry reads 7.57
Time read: 5.21
